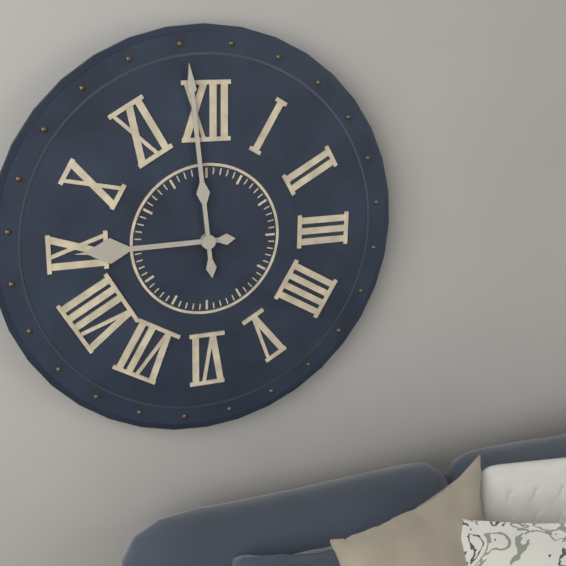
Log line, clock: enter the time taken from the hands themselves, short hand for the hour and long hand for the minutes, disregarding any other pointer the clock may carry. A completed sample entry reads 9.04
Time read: 8.59
